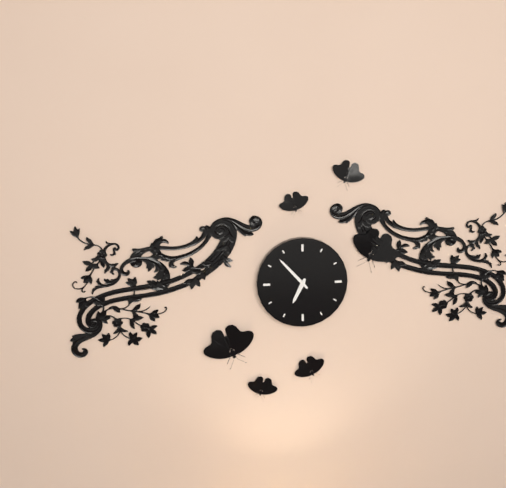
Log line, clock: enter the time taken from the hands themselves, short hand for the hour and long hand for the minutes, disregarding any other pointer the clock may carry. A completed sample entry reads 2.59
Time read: 6.53
